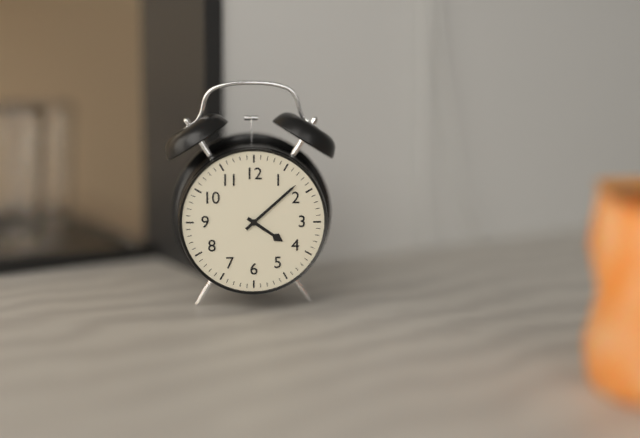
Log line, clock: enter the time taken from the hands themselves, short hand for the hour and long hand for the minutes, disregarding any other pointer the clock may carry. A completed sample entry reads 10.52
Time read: 4.08
